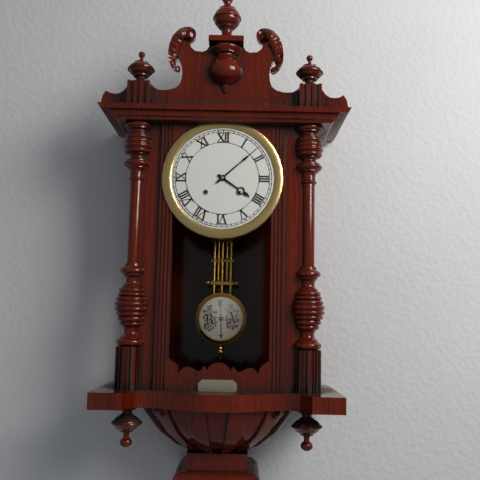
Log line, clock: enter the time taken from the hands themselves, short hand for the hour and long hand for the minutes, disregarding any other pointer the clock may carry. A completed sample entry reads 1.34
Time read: 4.08
